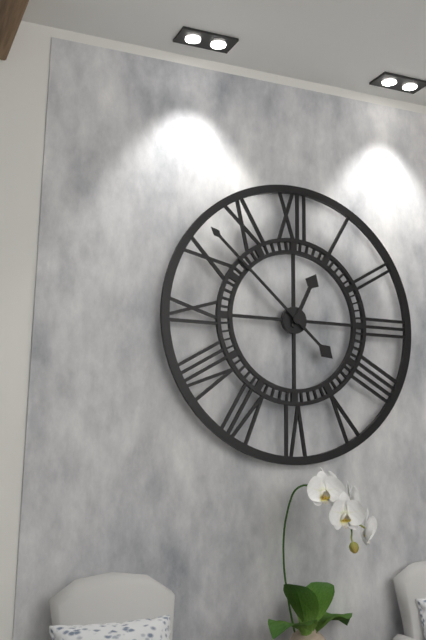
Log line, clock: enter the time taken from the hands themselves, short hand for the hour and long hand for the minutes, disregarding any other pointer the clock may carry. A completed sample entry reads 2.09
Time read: 12.52
